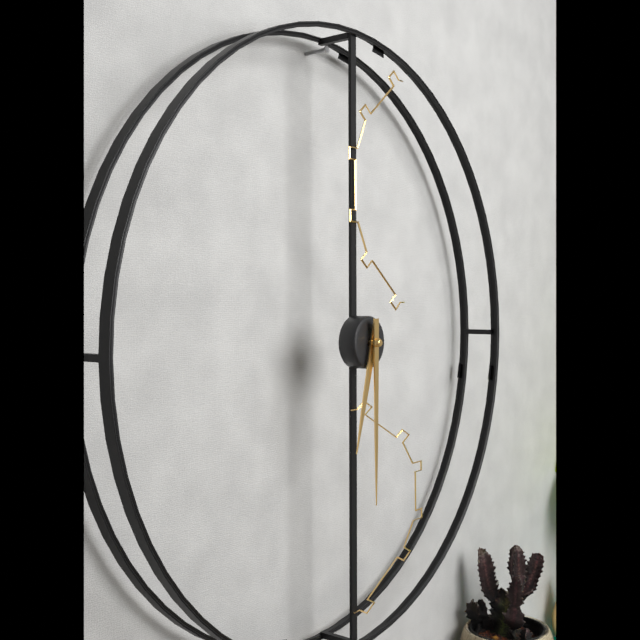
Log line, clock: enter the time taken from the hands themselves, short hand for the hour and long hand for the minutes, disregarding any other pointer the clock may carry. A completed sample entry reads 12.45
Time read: 6.30
